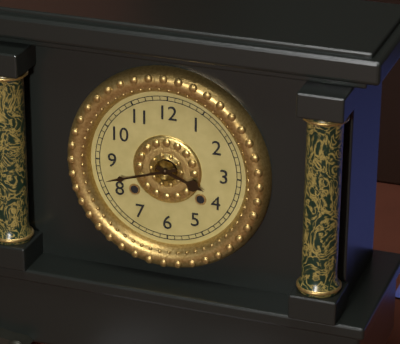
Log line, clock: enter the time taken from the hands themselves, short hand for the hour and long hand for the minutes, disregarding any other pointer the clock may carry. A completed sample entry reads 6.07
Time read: 3.42
